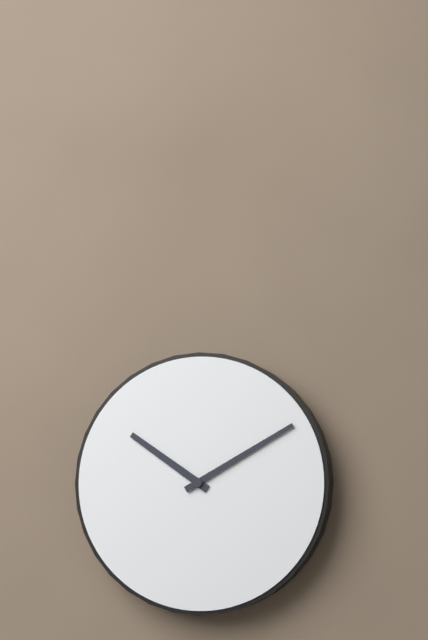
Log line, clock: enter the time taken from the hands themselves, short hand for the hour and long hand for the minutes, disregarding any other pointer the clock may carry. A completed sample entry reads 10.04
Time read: 10.10
